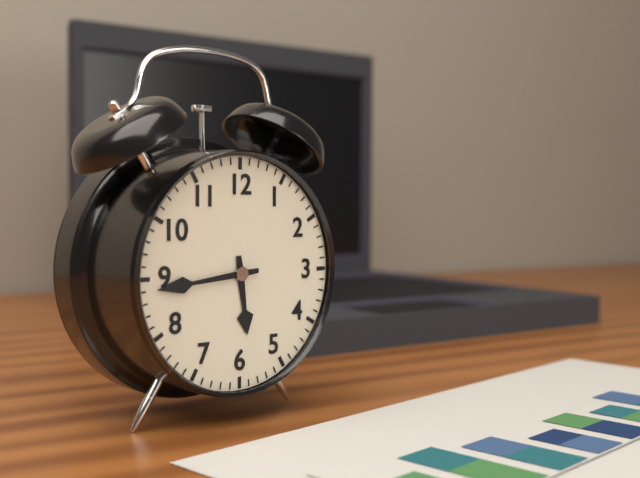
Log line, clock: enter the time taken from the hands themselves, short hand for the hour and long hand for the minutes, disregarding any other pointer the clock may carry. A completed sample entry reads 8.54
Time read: 5.44
